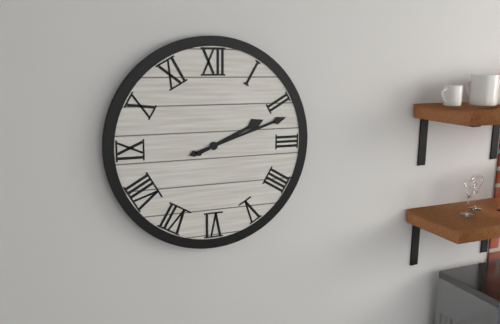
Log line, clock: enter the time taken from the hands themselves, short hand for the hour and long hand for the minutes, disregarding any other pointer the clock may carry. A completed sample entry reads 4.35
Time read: 2.12
